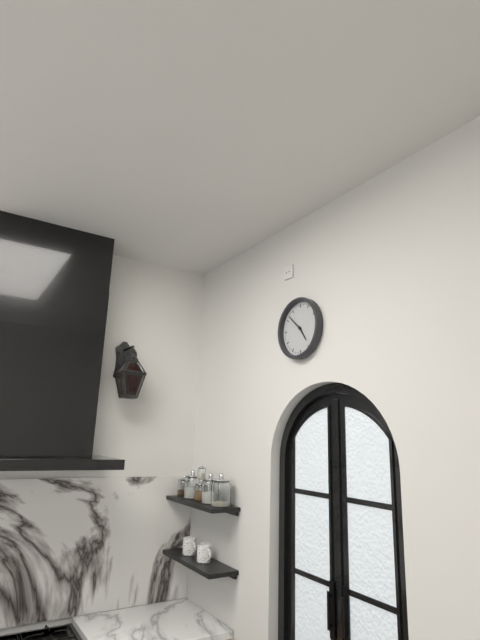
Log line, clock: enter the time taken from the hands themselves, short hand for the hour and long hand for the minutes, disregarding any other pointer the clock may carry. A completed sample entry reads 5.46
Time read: 4.52
